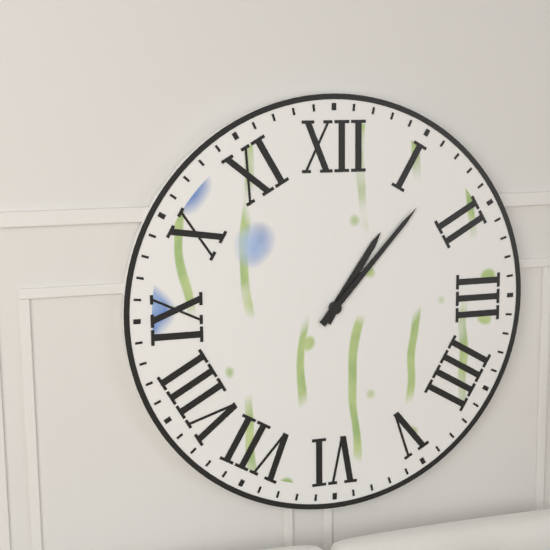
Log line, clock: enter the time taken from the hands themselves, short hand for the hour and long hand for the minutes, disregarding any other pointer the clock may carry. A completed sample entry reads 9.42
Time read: 1.07
